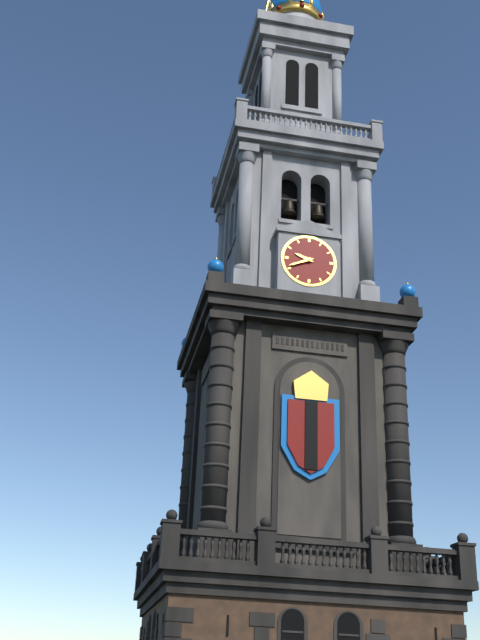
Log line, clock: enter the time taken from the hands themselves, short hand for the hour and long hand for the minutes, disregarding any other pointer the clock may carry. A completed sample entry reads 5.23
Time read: 9.41
